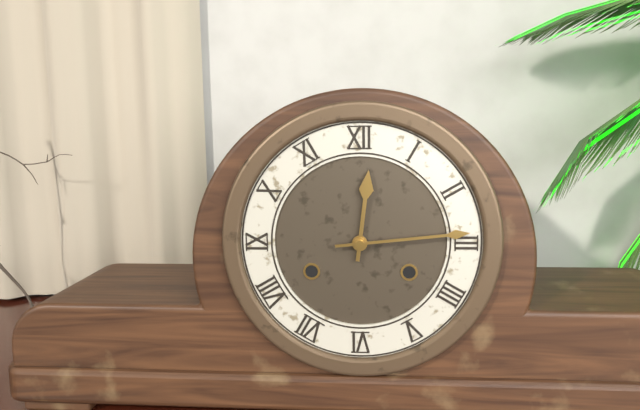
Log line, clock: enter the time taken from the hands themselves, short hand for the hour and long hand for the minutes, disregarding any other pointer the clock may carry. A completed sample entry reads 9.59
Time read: 12.14
